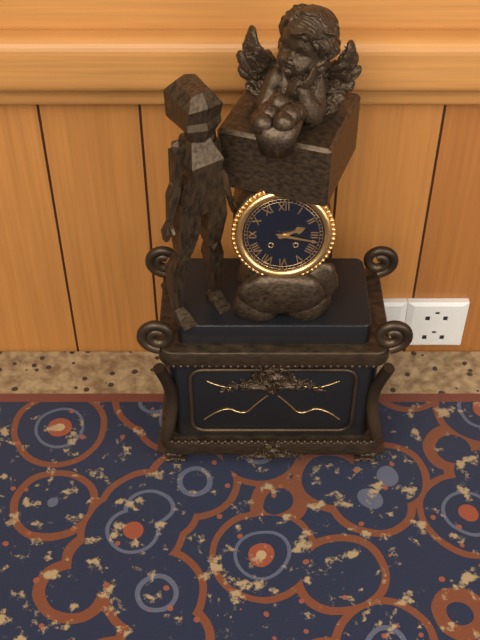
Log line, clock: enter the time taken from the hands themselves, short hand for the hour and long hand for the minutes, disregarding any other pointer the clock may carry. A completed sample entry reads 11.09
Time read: 2.17
